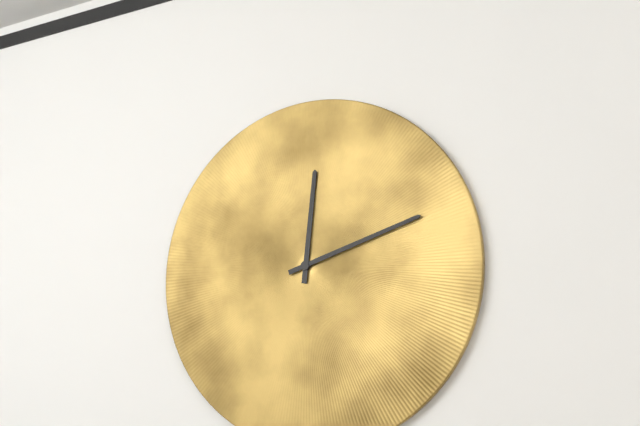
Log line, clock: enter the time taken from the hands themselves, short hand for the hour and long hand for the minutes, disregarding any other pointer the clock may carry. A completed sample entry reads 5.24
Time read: 12.12
